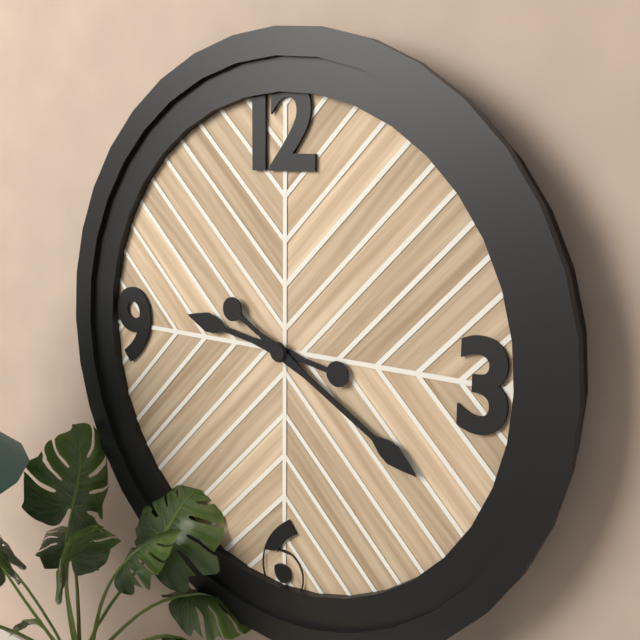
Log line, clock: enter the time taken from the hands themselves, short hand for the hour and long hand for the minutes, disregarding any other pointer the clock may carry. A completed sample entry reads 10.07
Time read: 9.20
